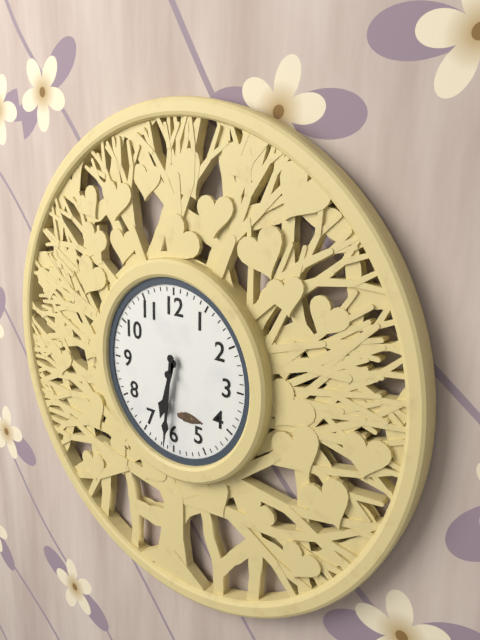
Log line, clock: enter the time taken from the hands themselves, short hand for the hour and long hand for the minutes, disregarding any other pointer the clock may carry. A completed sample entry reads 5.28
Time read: 6.31
